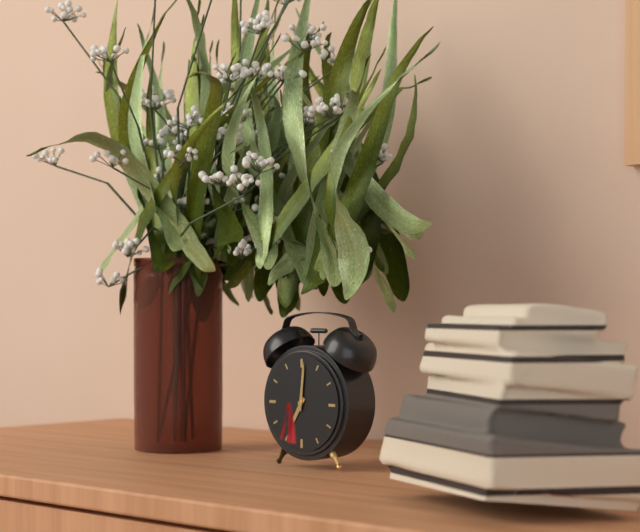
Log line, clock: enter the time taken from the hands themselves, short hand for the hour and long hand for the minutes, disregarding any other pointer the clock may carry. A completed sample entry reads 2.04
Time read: 7.01
